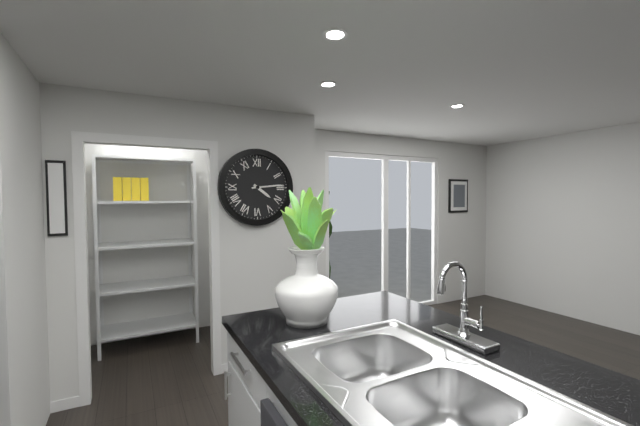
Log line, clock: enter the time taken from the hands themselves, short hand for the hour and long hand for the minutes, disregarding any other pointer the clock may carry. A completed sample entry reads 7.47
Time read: 4.14
